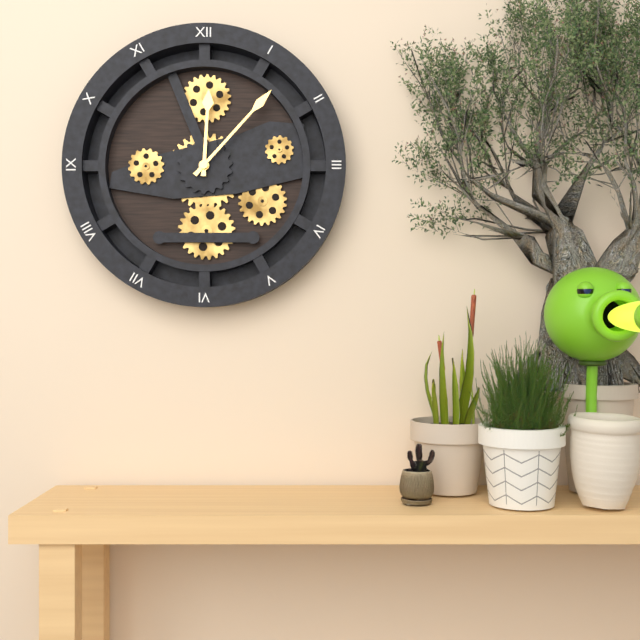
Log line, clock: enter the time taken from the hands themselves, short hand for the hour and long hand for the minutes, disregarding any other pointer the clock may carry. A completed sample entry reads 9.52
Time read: 12.07
